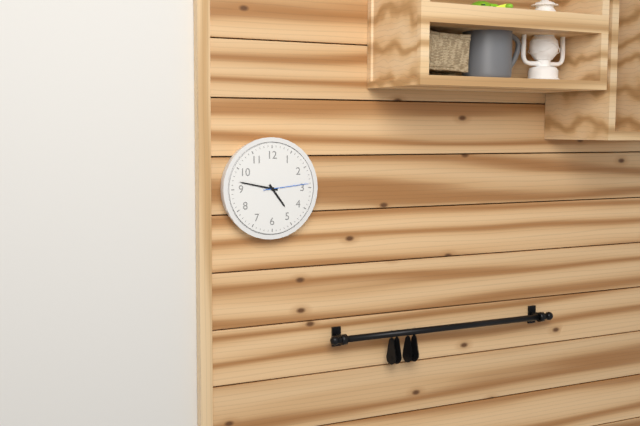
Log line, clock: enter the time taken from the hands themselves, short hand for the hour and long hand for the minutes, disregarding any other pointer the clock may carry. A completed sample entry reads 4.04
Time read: 4.47
